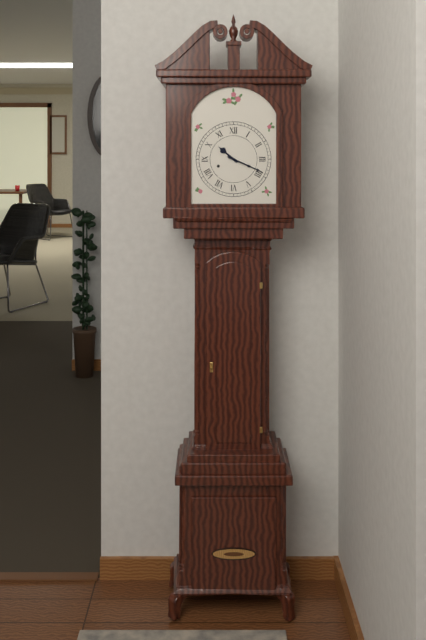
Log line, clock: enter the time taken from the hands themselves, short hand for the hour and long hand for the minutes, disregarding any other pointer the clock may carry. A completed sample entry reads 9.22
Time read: 10.19
